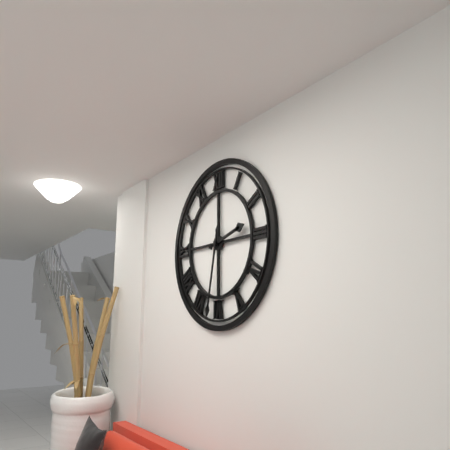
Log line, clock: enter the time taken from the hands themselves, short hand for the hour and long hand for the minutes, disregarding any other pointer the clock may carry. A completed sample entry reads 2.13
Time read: 2.32
